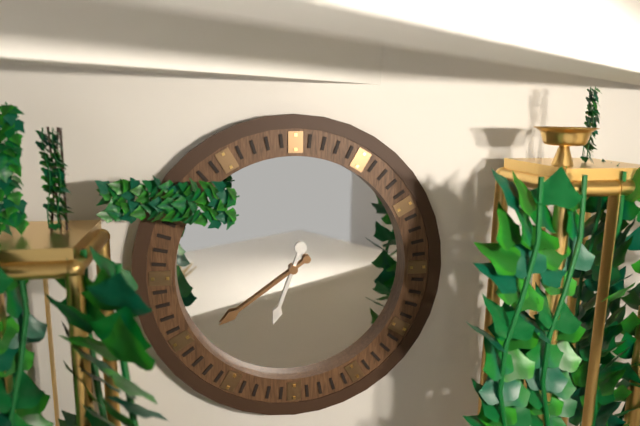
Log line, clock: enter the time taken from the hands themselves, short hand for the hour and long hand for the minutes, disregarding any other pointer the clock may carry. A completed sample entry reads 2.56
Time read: 6.39
